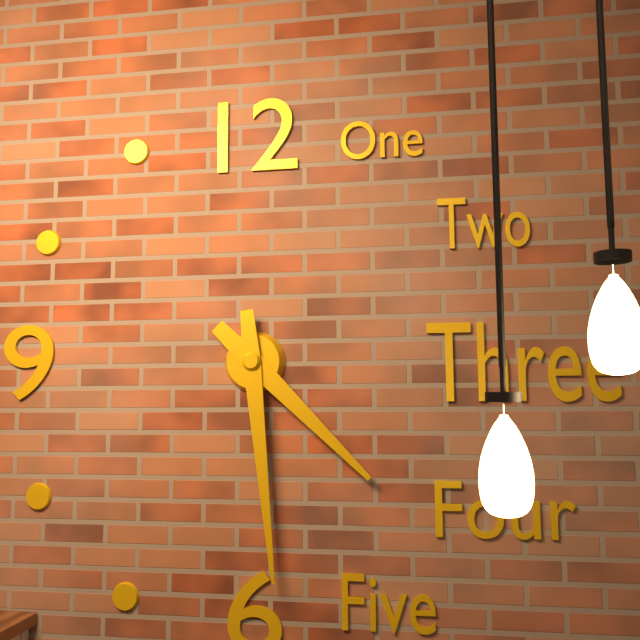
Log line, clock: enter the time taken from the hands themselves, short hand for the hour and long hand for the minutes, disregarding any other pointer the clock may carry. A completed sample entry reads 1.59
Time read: 4.29
